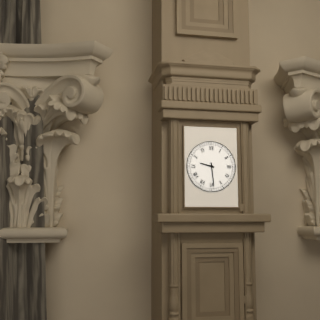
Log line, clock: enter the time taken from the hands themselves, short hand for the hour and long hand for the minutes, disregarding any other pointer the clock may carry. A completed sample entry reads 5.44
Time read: 9.29
